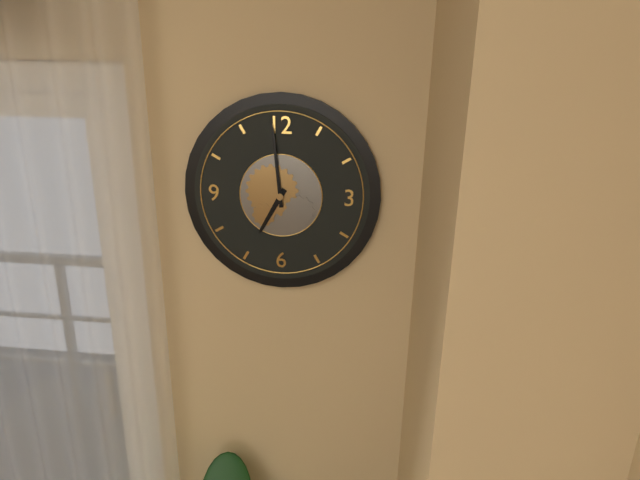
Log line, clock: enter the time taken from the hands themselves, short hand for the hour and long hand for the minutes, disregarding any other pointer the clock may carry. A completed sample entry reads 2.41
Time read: 6.59
